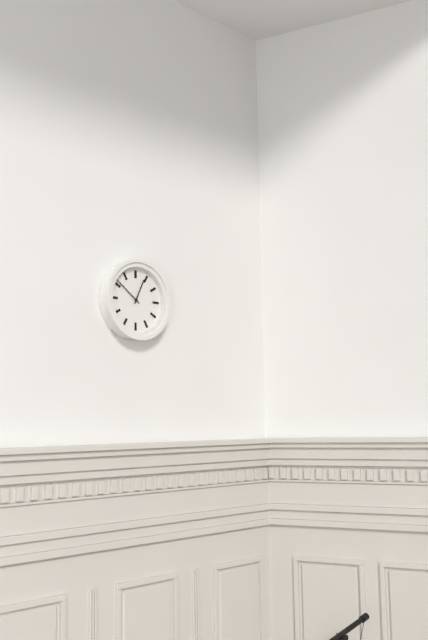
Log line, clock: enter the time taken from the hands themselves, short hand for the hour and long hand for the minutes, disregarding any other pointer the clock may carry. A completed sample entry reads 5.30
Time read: 12.51
